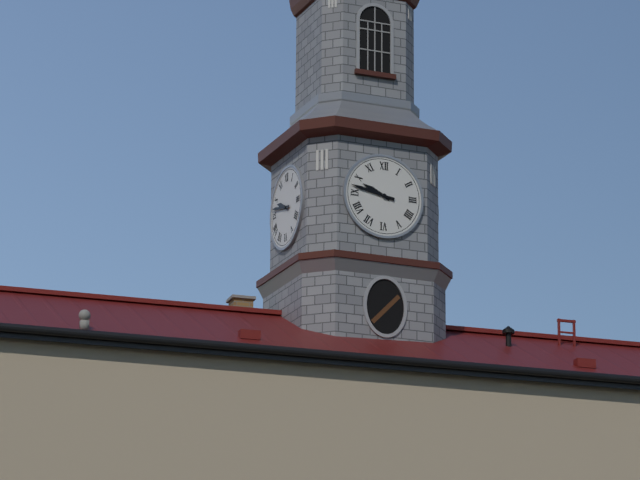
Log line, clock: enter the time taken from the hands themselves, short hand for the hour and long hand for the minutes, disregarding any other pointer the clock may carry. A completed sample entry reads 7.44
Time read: 9.47
